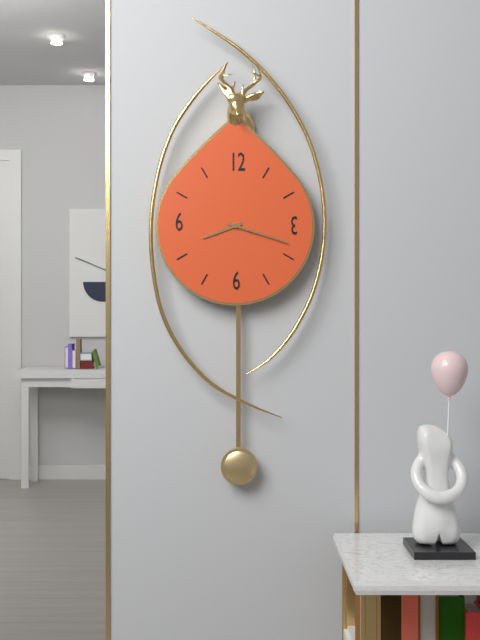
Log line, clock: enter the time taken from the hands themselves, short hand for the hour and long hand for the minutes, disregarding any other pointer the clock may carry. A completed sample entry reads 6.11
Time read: 8.18
